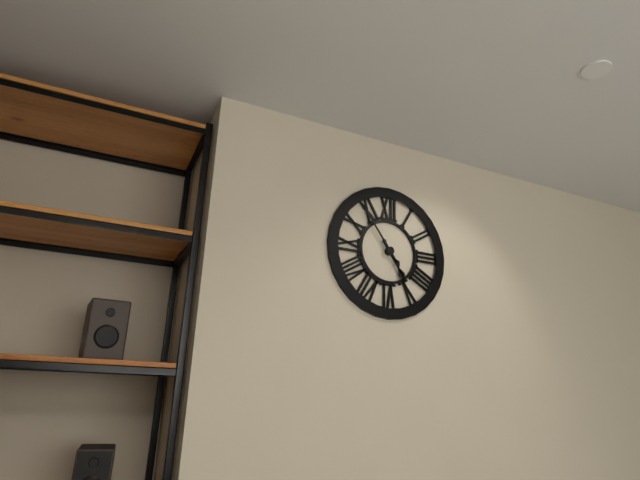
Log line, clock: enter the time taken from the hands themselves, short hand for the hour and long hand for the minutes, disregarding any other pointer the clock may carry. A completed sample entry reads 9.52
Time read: 4.54
